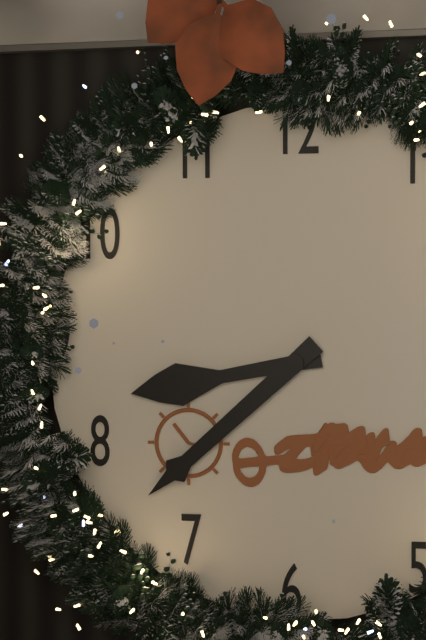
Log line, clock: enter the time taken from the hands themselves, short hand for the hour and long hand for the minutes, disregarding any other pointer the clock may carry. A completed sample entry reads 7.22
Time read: 8.38
